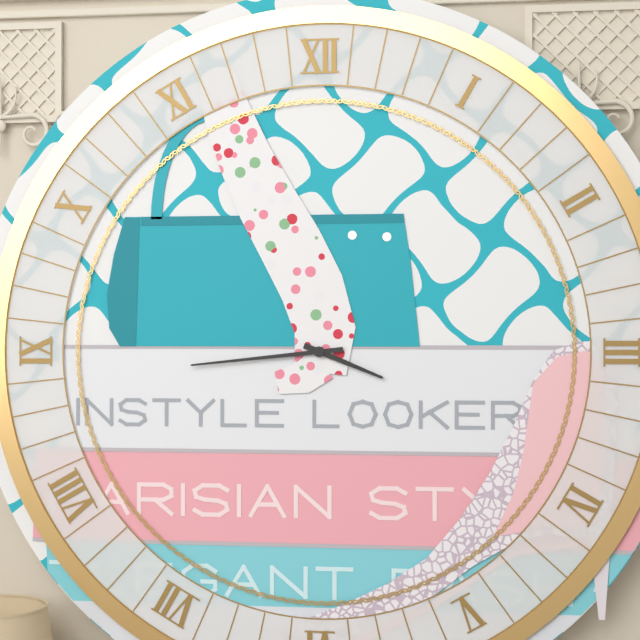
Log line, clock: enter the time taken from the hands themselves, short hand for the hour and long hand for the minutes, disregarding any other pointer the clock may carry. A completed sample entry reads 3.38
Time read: 3.44
